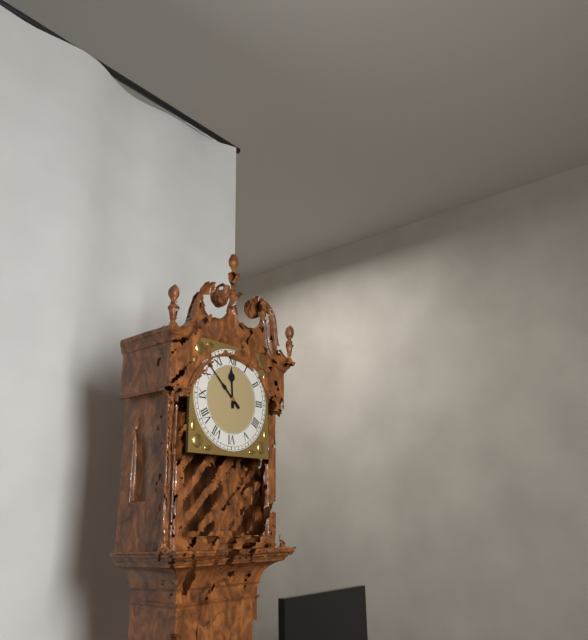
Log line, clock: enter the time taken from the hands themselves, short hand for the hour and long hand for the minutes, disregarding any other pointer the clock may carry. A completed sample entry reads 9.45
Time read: 11.52
